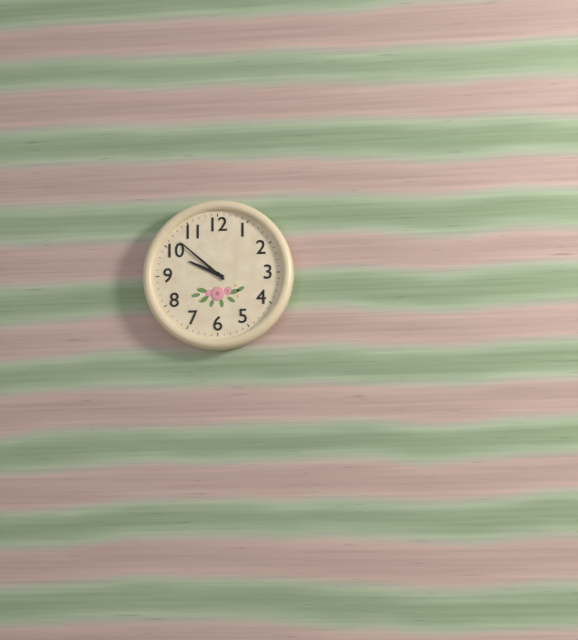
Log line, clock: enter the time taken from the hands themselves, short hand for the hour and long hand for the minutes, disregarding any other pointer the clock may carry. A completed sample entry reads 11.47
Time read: 9.52
